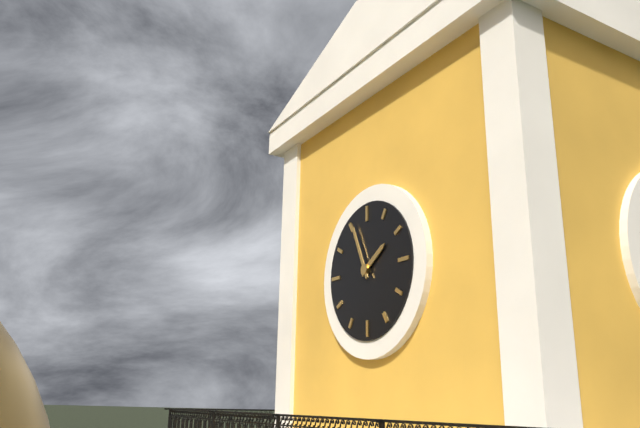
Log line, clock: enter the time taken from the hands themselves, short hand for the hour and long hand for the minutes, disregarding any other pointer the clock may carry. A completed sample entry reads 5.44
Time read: 1.56
